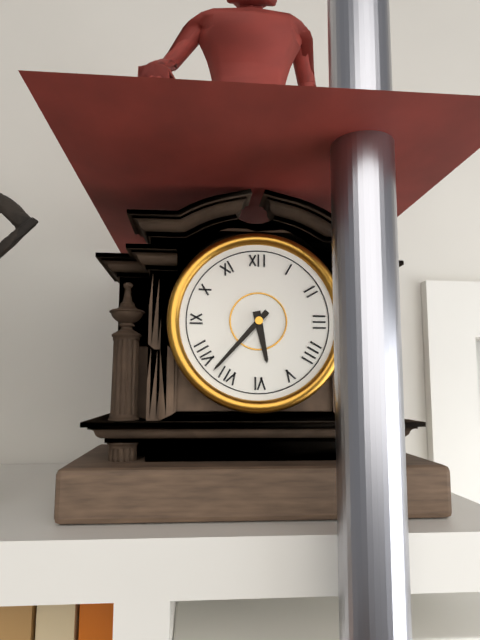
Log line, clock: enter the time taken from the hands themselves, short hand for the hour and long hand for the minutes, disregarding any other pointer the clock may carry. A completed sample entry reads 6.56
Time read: 5.37
